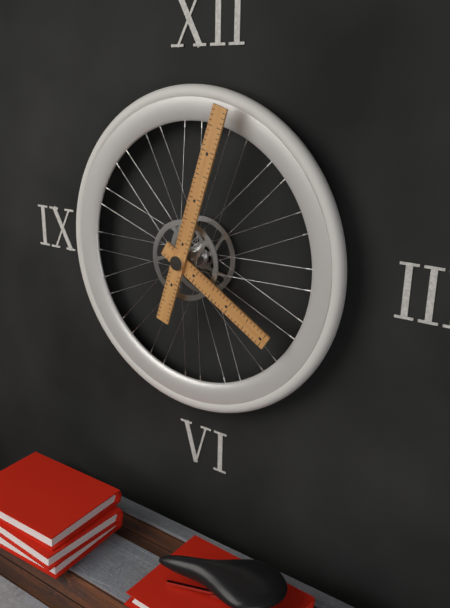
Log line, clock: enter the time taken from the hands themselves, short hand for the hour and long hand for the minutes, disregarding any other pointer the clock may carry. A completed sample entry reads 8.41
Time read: 4.03
